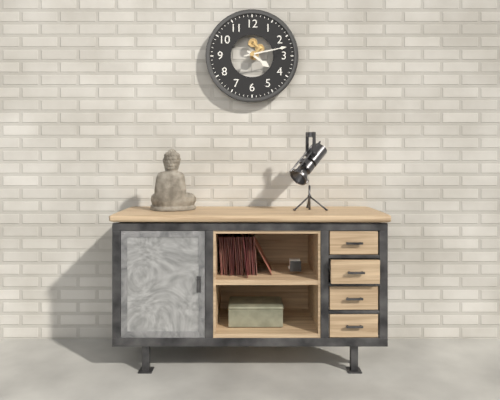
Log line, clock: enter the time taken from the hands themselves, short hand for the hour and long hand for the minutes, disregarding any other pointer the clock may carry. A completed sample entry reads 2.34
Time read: 4.13
